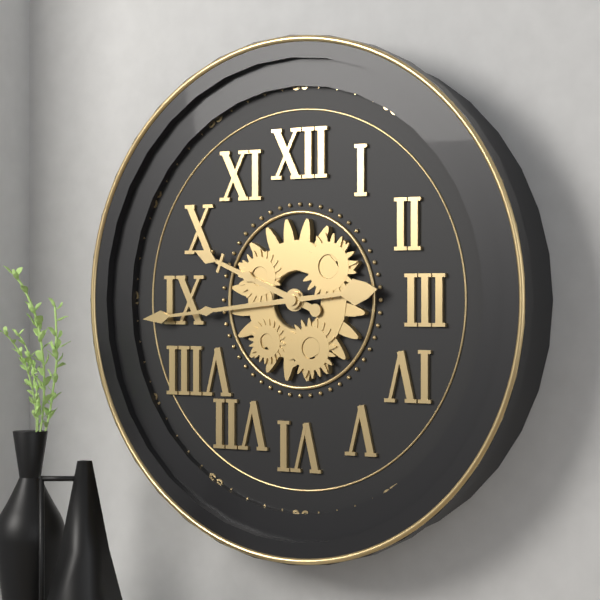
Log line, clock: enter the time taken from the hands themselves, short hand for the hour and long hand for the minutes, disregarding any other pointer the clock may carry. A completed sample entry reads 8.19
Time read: 9.44
